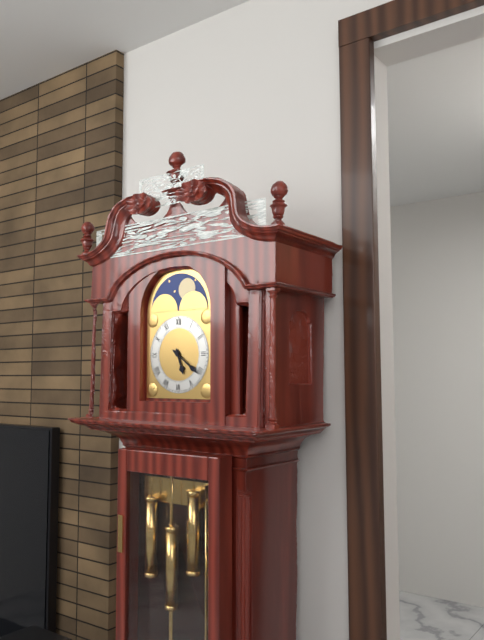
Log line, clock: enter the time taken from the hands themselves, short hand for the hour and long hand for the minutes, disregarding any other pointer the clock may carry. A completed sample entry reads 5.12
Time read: 5.21
